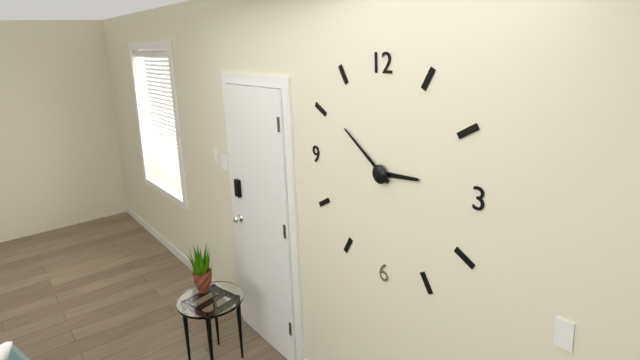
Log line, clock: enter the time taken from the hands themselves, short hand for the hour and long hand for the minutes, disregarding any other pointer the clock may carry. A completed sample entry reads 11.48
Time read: 2.51
